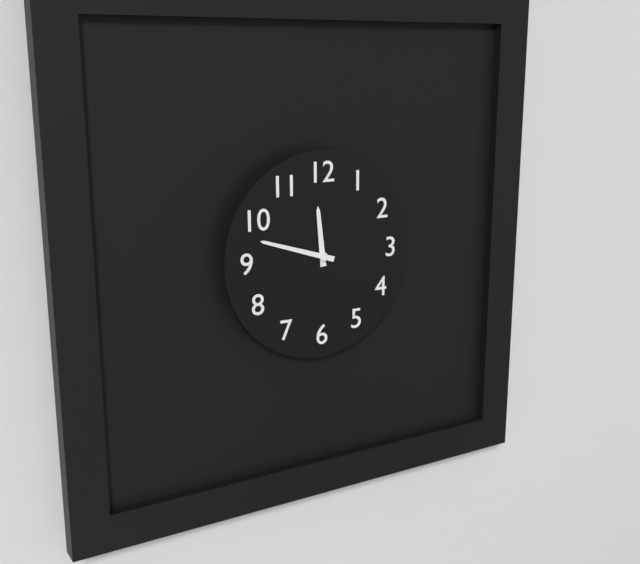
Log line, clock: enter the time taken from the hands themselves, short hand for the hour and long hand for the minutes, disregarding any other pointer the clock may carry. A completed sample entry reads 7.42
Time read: 11.48
